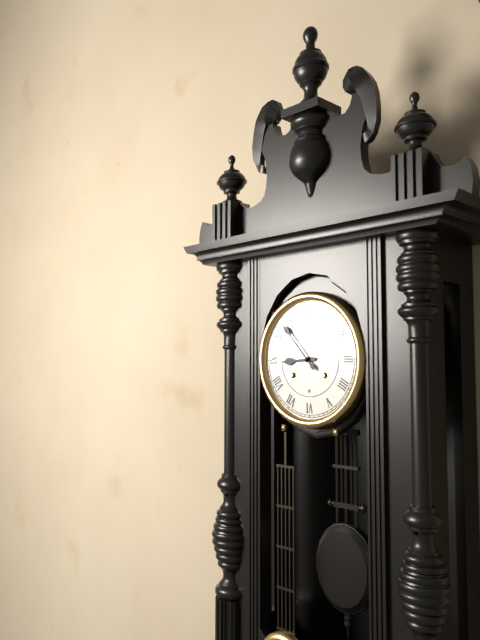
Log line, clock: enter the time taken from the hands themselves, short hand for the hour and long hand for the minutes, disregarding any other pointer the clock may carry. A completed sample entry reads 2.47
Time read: 8.53
